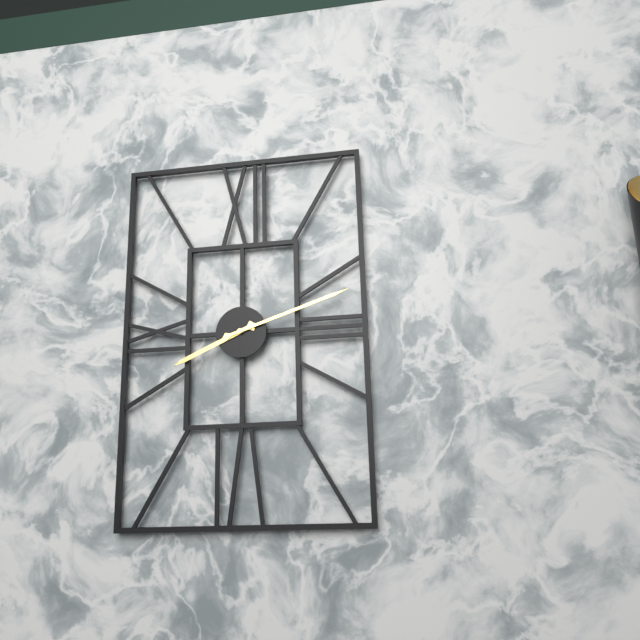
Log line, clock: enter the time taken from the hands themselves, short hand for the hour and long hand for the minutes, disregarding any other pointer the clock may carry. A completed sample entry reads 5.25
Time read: 8.12
